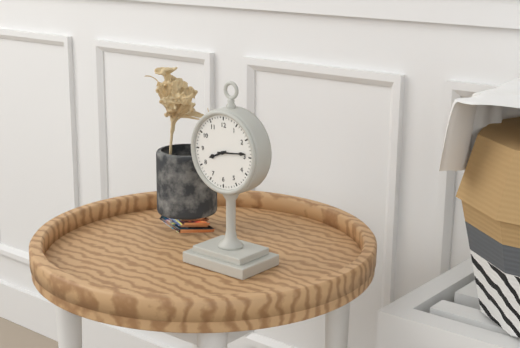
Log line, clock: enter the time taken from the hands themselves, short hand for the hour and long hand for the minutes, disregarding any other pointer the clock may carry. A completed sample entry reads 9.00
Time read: 8.14
